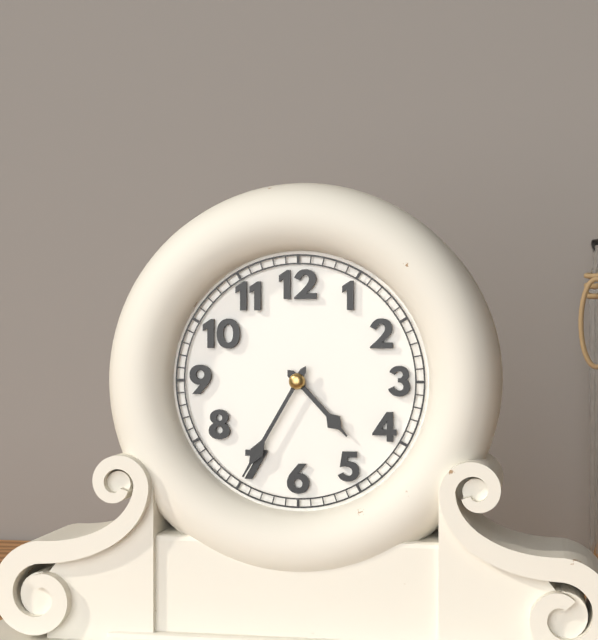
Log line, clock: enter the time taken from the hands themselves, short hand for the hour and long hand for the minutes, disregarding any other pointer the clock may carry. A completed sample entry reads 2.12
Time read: 4.35
